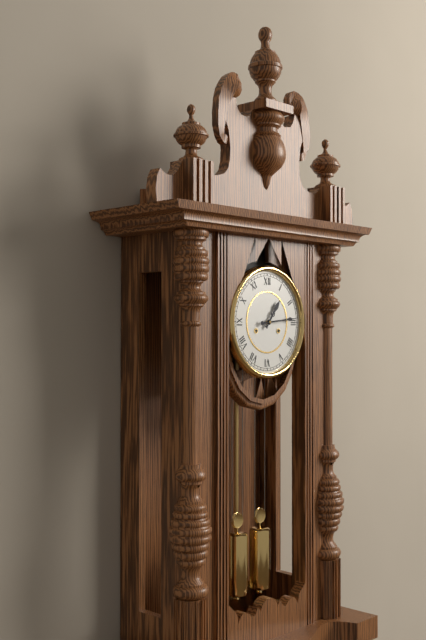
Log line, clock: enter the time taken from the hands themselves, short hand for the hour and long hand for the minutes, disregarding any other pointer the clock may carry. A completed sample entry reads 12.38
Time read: 1.14
